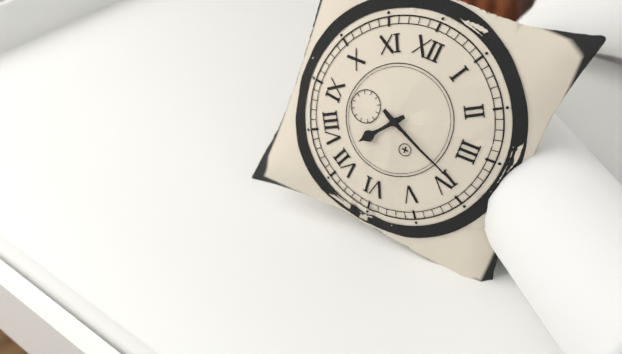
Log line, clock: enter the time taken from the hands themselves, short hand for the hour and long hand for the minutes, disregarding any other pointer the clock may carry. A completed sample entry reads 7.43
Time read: 7.19
